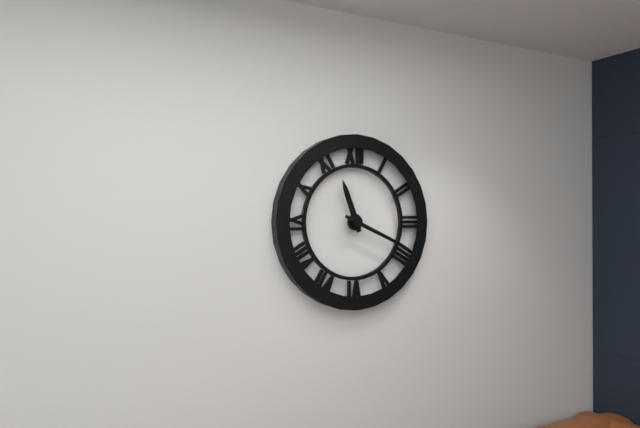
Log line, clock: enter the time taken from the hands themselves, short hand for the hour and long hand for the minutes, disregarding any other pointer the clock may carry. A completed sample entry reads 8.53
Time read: 11.19
